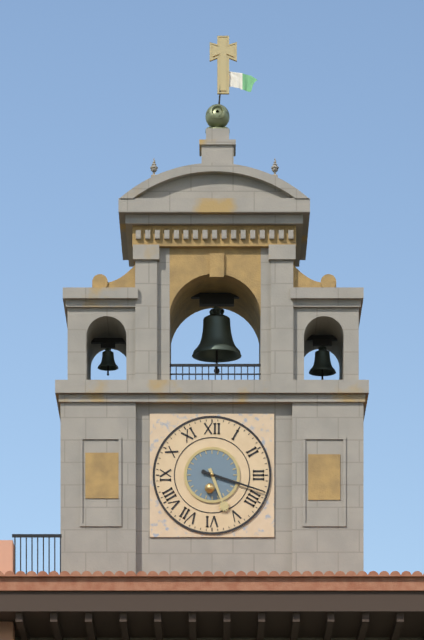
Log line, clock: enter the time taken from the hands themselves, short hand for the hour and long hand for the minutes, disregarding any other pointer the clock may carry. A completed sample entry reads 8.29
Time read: 5.18
